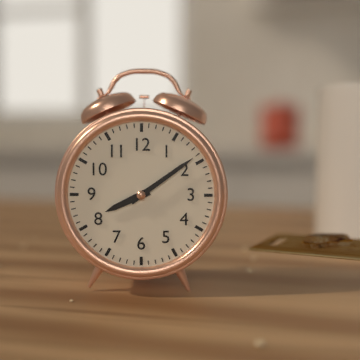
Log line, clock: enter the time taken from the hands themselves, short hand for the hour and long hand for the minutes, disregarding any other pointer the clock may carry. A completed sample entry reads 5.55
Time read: 8.09
